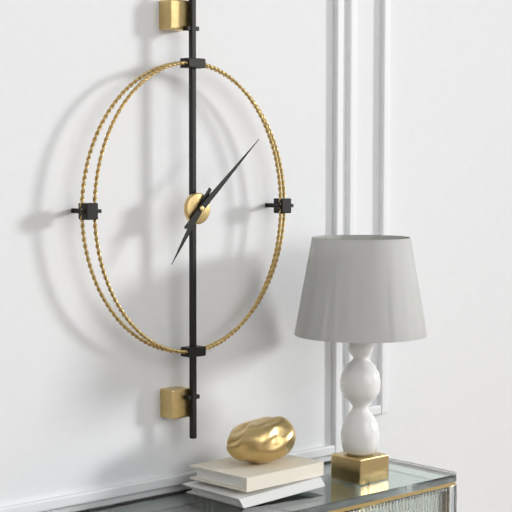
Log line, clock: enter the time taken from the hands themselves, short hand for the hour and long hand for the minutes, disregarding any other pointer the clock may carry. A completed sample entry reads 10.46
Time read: 7.08
